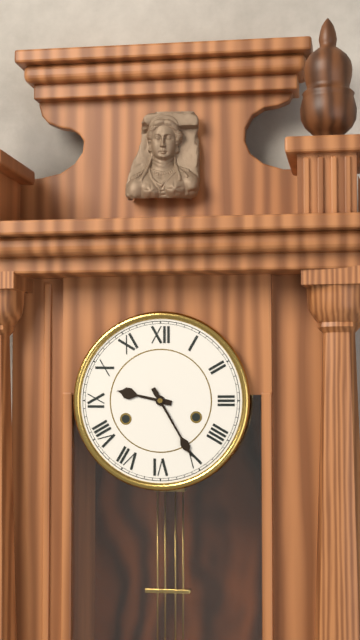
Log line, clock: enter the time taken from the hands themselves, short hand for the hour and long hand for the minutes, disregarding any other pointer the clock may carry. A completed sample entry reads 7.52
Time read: 9.25
